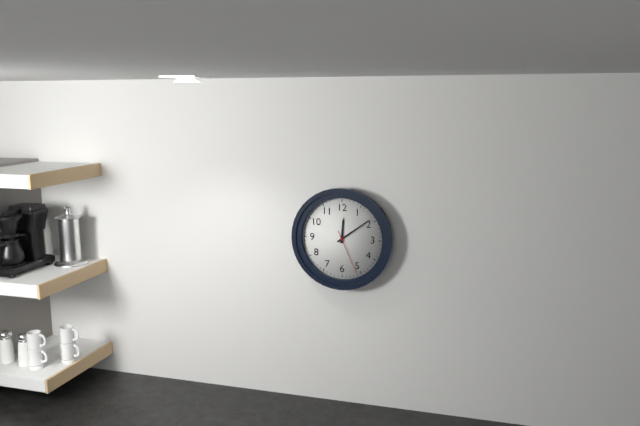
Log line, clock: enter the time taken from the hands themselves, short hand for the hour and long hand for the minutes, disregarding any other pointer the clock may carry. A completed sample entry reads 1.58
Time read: 12.09
